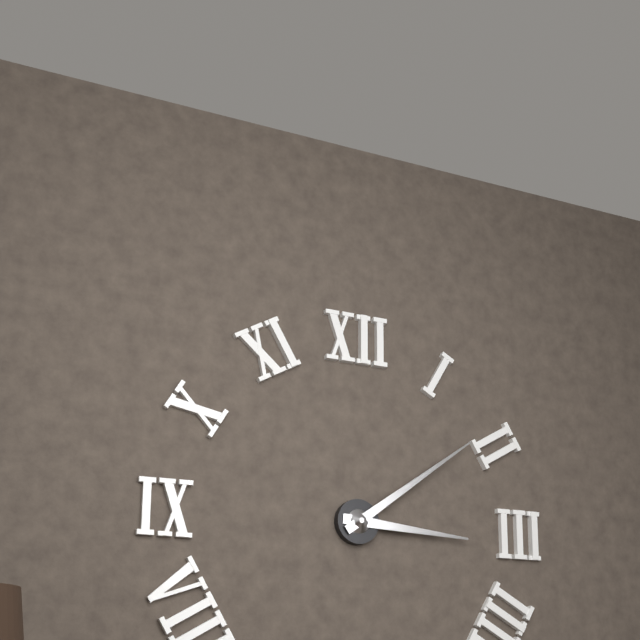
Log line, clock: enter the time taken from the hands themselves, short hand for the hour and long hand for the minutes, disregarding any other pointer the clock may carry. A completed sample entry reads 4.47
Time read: 3.09
